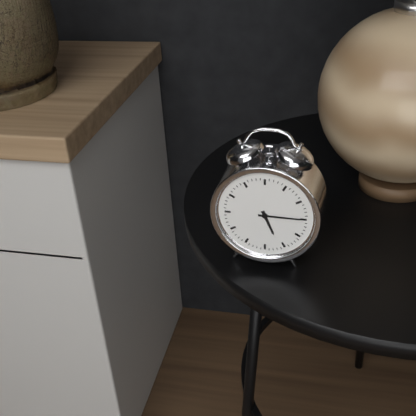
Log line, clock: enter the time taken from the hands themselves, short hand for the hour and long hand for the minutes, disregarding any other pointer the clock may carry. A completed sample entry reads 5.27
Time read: 5.15
